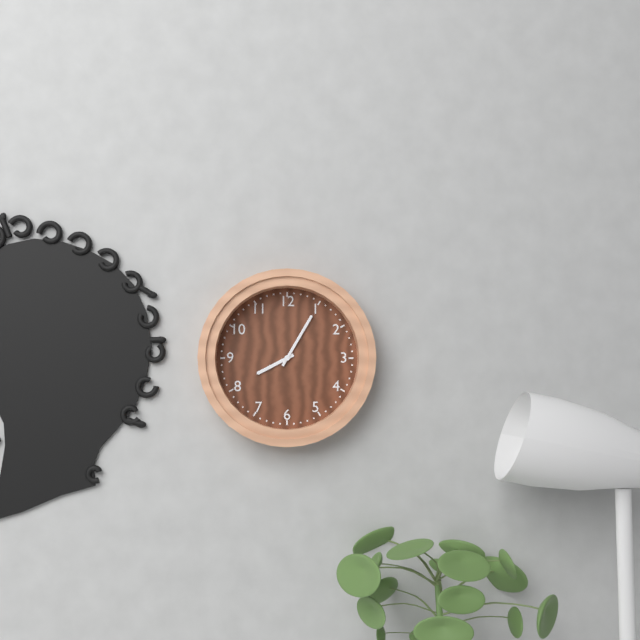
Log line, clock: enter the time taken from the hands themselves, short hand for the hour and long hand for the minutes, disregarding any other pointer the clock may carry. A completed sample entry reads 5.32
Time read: 8.05
